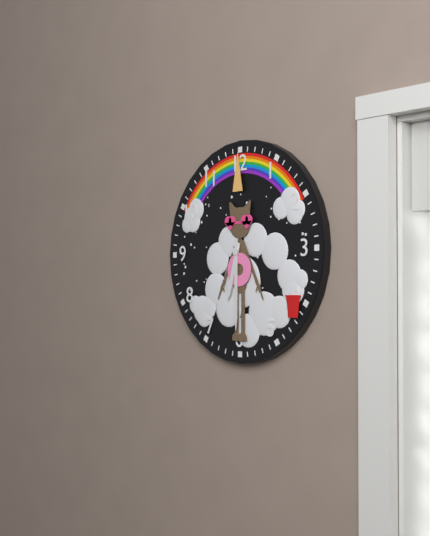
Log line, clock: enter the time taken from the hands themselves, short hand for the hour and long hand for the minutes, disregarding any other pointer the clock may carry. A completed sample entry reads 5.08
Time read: 6.30
